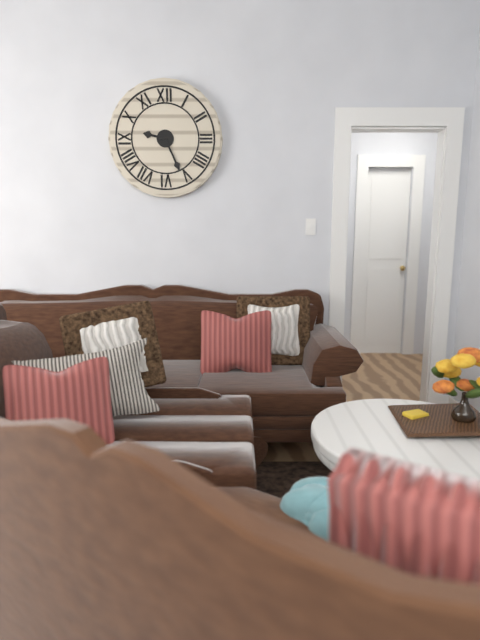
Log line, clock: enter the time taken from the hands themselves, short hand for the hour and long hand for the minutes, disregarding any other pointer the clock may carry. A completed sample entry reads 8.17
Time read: 9.26
